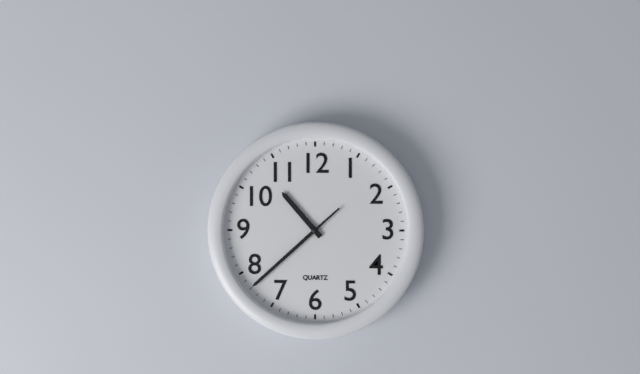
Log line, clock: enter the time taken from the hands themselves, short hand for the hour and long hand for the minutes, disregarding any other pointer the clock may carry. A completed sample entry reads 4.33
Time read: 10.38
